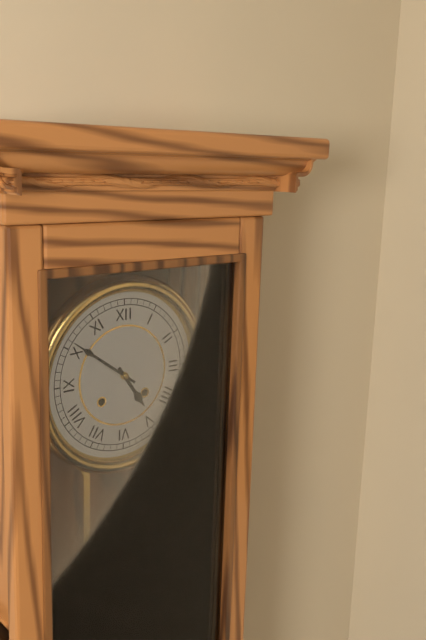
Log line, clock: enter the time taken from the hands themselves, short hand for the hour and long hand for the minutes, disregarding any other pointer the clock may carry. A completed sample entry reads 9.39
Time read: 4.51
